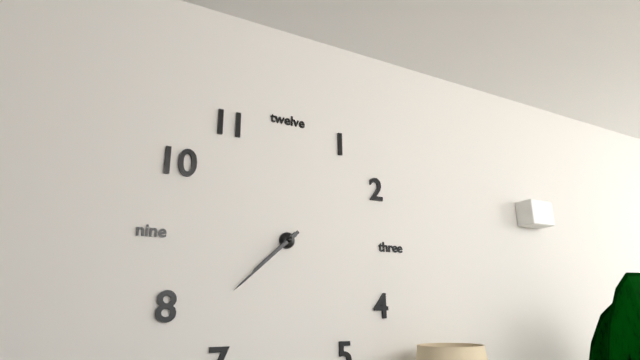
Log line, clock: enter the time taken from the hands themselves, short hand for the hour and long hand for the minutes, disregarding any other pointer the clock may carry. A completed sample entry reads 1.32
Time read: 7.38
